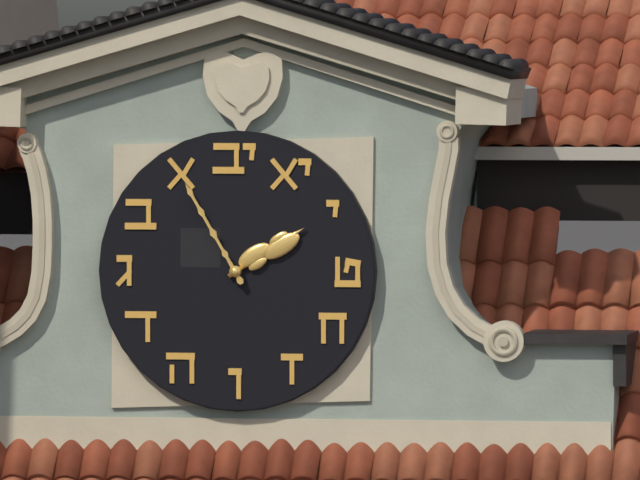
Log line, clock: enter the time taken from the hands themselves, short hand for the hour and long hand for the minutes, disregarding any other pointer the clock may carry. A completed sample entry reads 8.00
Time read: 1.55
